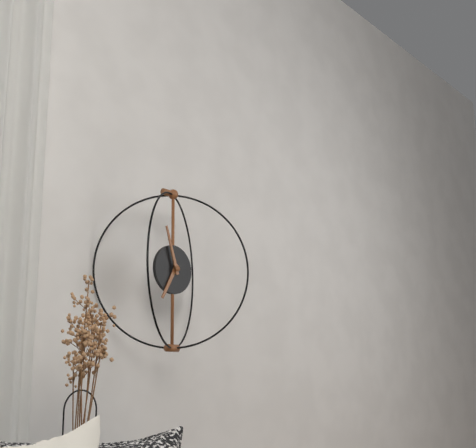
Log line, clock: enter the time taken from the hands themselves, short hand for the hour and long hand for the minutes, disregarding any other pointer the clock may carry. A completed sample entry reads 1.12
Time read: 6.57
